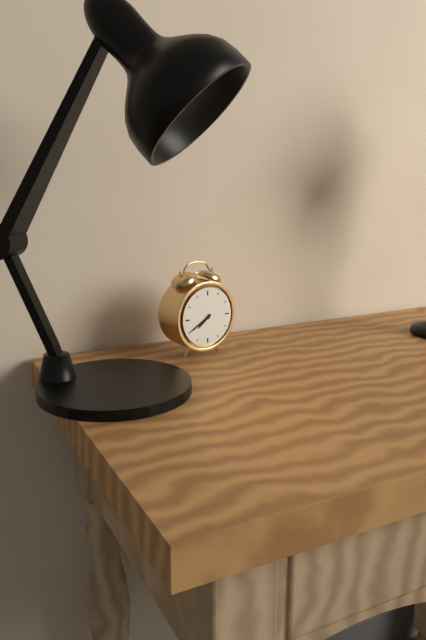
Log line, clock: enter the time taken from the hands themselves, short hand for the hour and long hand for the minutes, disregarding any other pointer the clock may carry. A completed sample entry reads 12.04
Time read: 7.40
